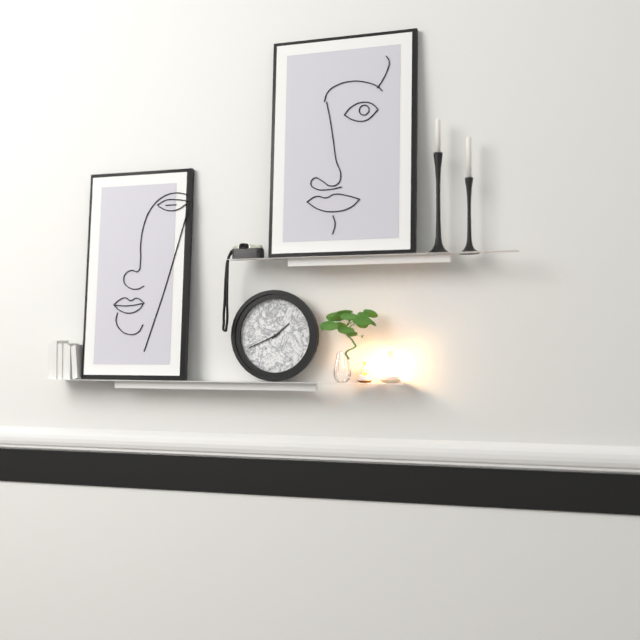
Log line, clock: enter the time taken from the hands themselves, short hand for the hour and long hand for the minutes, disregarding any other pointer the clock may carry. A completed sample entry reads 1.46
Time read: 1.41
